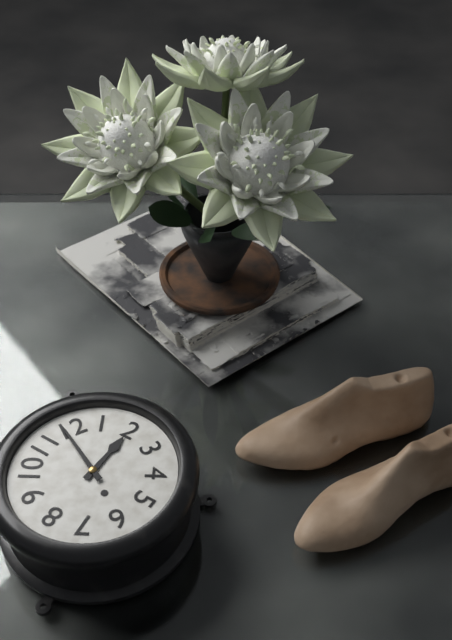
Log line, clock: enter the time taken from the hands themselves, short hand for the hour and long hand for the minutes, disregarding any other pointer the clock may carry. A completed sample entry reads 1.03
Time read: 1.59
